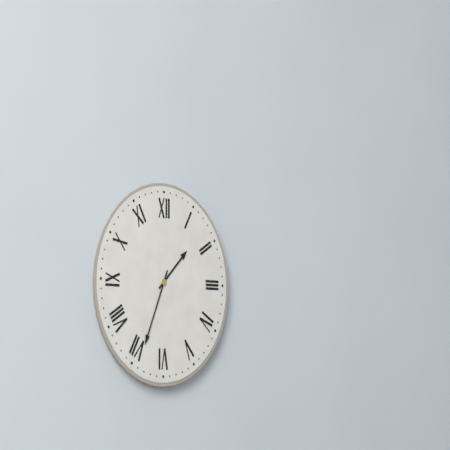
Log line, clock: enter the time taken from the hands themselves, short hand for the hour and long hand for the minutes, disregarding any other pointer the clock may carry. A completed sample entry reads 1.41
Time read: 1.34
